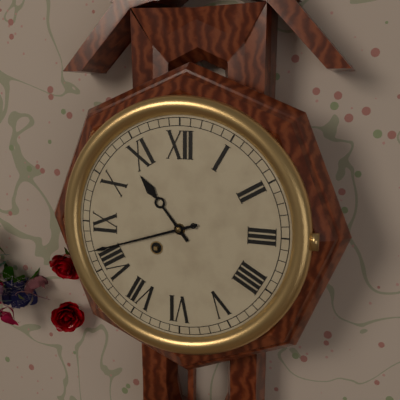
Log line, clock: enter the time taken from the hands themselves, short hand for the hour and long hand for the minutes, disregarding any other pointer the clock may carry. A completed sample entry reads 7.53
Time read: 10.42
